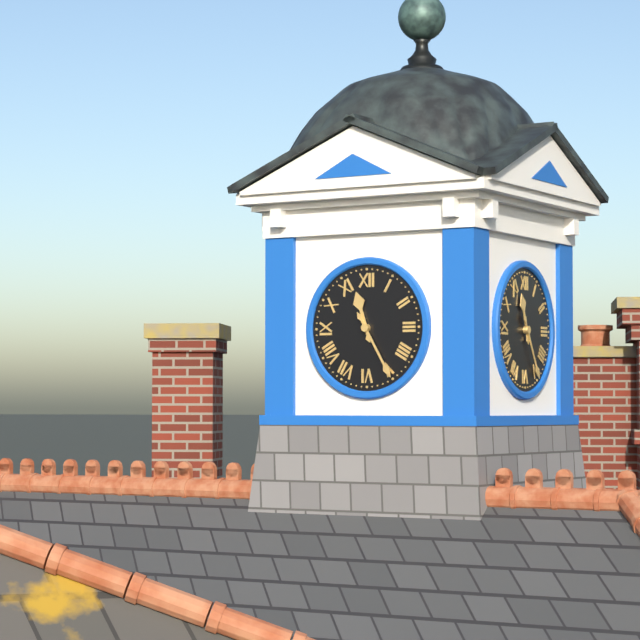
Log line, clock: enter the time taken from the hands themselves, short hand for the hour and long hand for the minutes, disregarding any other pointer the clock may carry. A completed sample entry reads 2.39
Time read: 11.25
